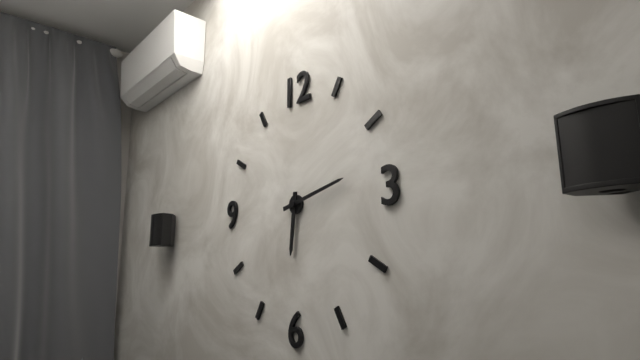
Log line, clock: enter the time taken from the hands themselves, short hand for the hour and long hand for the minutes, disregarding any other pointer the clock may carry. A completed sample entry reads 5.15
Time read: 6.13
